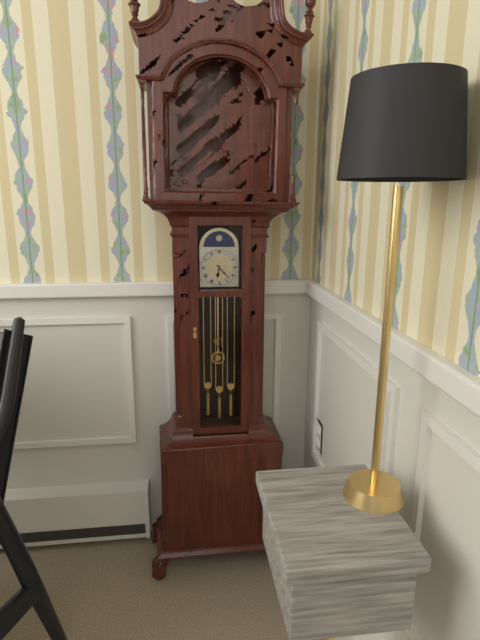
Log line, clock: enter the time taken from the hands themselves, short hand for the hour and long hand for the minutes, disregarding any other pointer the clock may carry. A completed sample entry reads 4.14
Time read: 6.23
